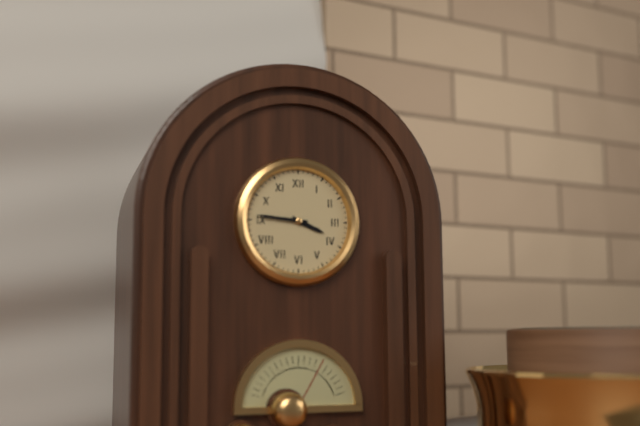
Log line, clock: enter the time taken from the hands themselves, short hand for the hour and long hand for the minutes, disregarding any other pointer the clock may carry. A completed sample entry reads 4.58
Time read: 3.46
